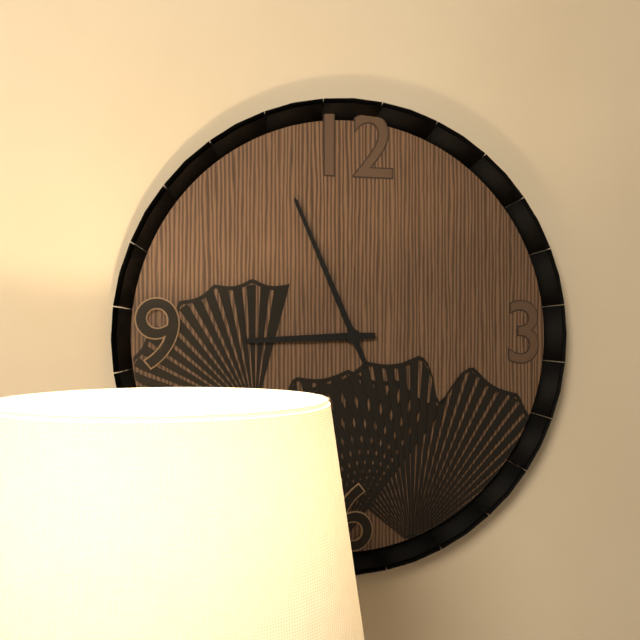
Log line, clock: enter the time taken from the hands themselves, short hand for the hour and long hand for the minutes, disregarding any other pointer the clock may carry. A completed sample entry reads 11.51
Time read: 8.56
